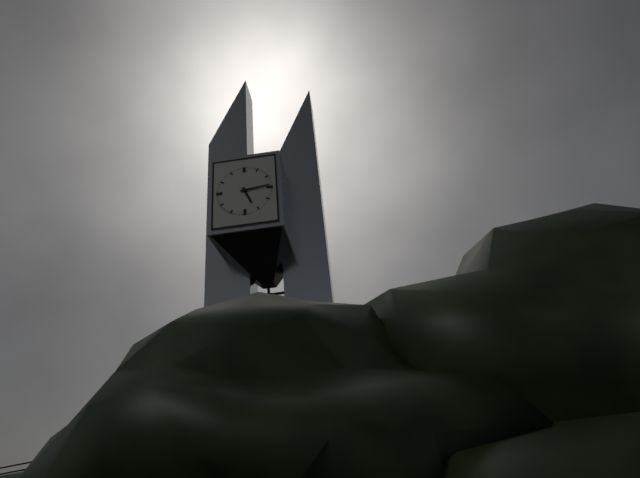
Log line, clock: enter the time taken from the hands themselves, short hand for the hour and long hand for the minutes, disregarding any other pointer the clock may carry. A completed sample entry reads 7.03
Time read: 5.14
